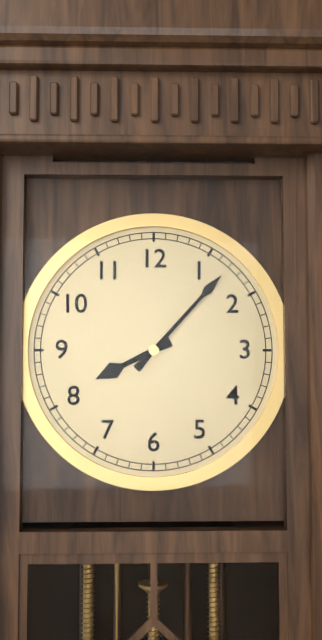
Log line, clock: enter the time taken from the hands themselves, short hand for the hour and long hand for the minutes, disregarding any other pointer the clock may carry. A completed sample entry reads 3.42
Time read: 8.07
